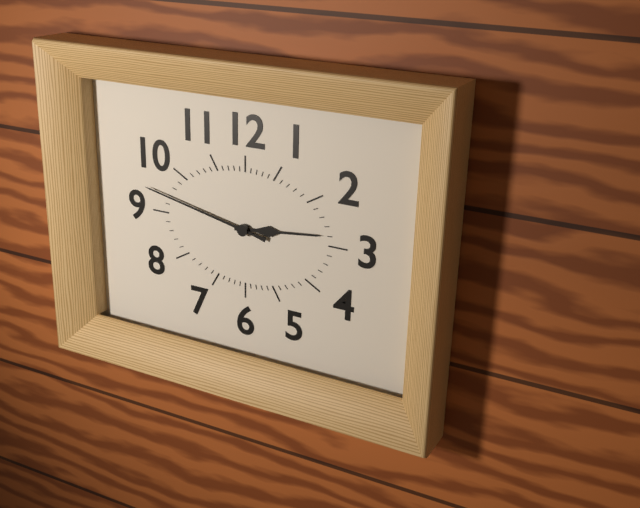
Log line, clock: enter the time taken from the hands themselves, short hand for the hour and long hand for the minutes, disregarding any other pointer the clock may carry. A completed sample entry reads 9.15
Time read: 2.47
